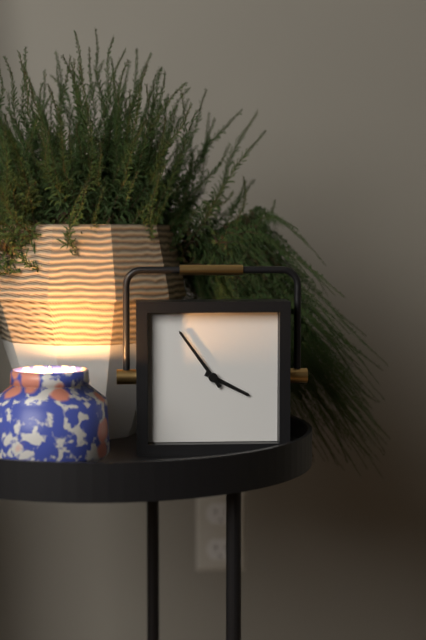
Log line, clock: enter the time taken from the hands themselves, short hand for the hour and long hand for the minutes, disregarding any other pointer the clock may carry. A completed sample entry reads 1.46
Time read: 3.54
